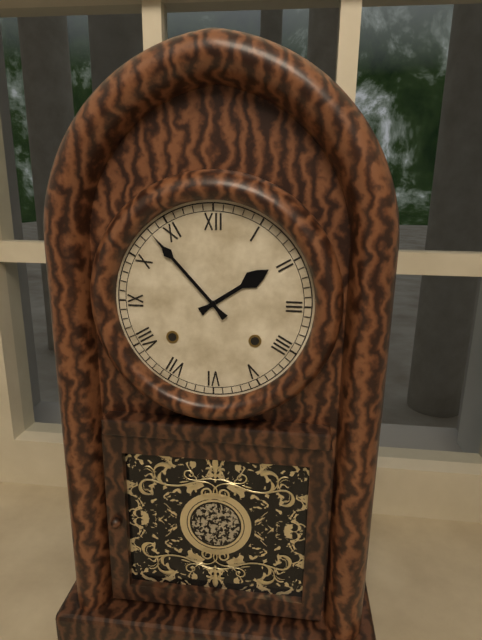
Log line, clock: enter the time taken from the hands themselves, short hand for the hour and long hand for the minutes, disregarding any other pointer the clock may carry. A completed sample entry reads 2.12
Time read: 1.53
